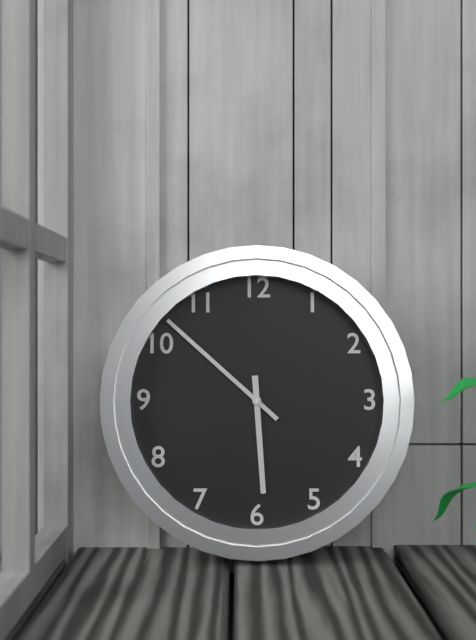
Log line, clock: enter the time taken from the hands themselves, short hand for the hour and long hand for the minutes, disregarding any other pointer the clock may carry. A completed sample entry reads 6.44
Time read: 5.52
